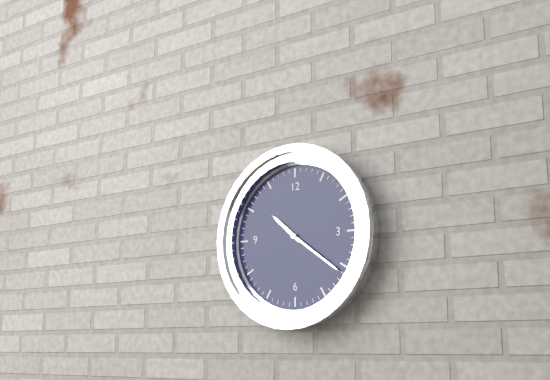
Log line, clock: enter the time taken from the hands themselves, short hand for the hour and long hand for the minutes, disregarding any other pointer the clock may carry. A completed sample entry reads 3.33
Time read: 10.21
